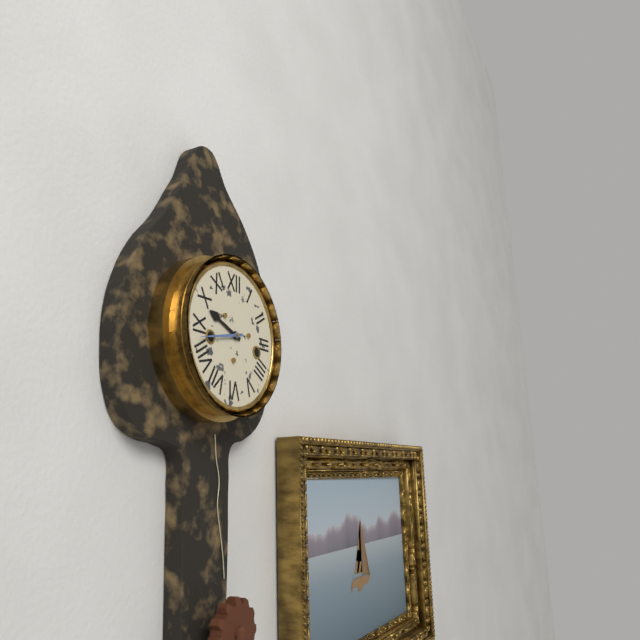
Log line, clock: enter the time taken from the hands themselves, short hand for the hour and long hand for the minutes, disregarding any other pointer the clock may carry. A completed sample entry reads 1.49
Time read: 9.43
